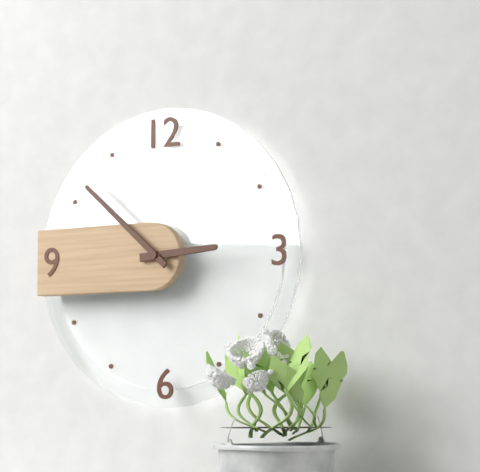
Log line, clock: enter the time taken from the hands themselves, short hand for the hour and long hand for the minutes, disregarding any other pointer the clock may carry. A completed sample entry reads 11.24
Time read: 2.52
